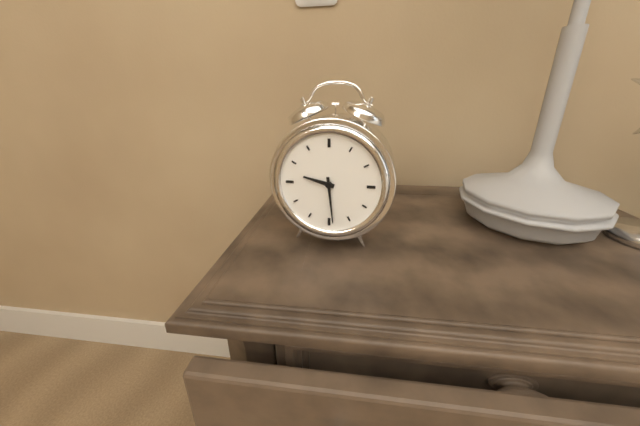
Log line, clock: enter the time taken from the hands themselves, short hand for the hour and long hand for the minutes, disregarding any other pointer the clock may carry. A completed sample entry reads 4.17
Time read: 9.29
